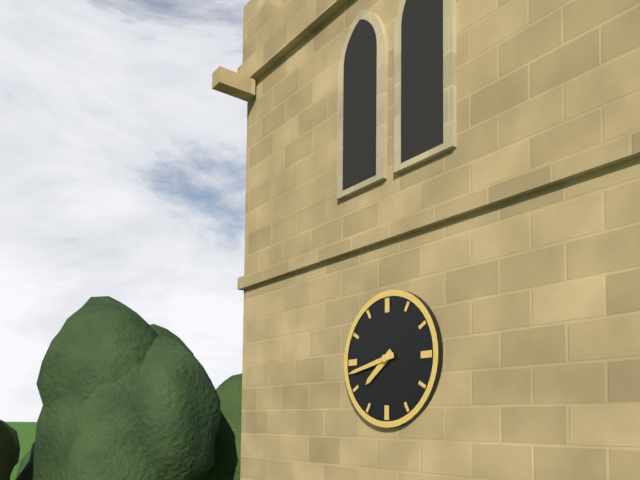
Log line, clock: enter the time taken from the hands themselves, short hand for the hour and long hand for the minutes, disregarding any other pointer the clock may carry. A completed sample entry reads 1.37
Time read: 7.43
